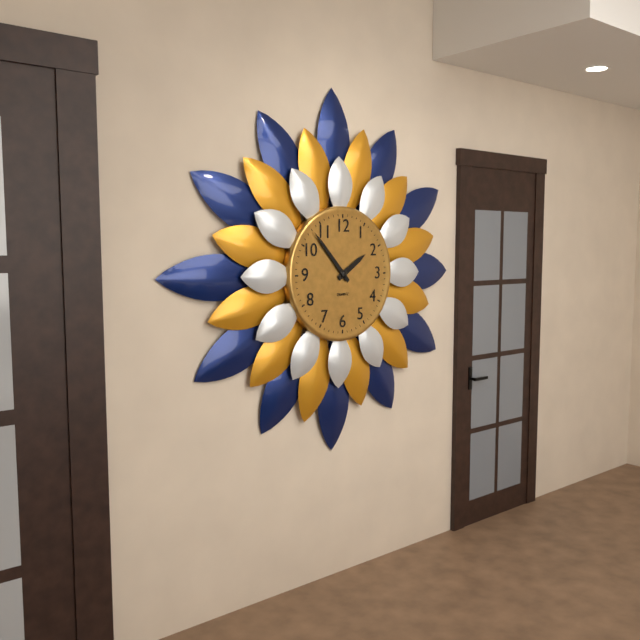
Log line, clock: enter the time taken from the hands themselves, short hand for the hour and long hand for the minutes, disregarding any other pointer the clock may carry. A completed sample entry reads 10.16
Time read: 1.53
